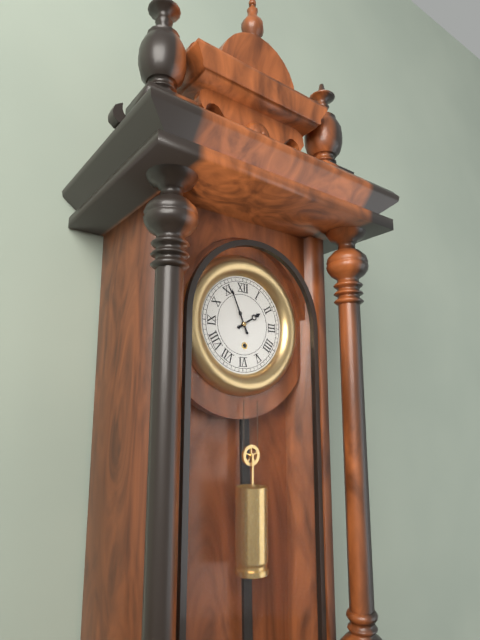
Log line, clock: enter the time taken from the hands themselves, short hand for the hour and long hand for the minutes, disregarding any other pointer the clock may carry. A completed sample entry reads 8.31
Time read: 1.56
